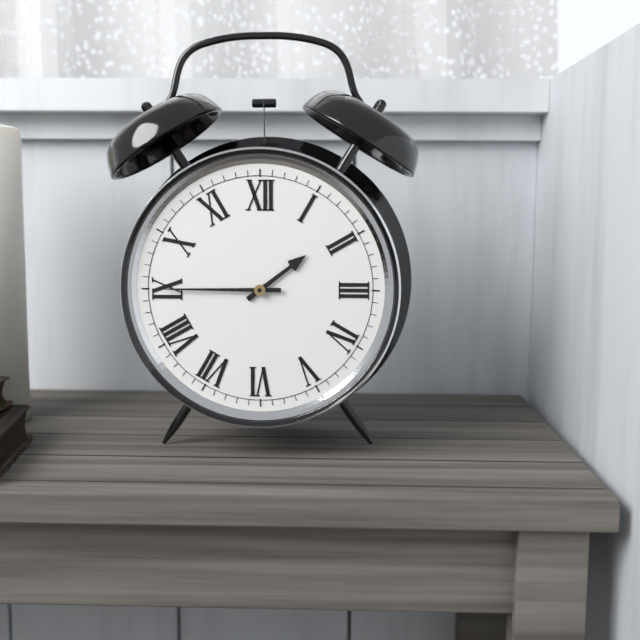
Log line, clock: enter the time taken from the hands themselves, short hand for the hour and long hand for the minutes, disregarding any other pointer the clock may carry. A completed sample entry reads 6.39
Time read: 1.45
